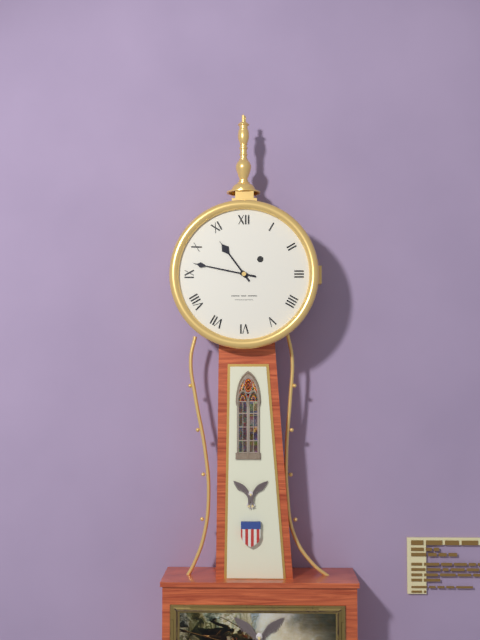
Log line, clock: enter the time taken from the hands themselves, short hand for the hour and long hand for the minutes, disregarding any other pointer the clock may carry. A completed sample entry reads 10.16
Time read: 10.47
